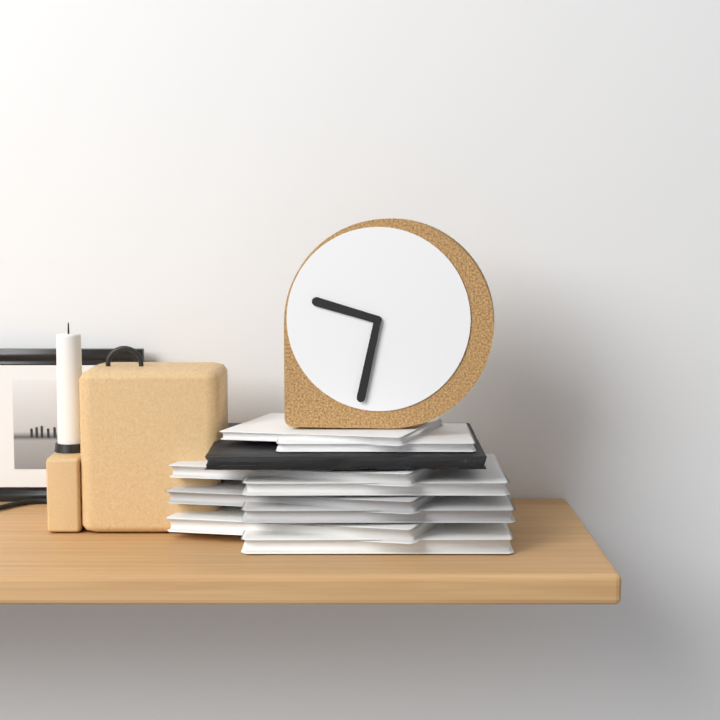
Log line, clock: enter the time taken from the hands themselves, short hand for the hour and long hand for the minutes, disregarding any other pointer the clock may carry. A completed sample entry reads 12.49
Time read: 9.32
